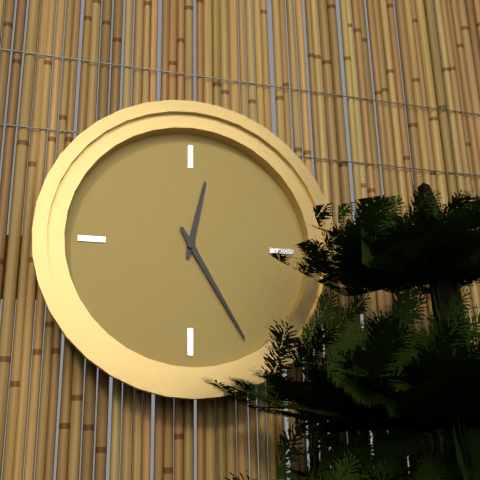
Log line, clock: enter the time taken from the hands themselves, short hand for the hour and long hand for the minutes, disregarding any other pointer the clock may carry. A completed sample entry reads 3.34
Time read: 12.25
